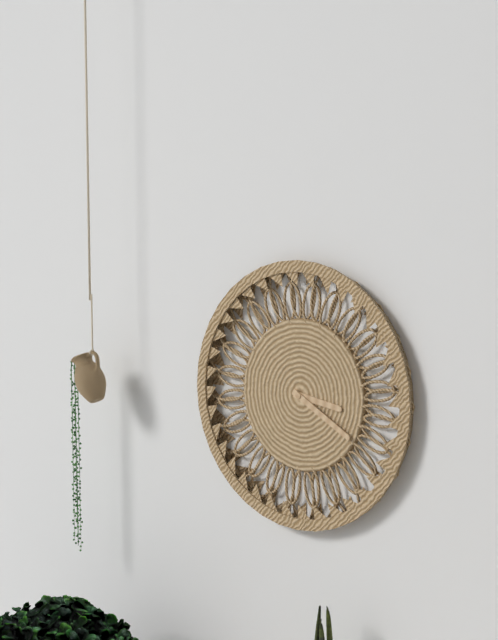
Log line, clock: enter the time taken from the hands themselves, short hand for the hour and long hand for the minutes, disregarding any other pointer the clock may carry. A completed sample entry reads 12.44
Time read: 3.20
